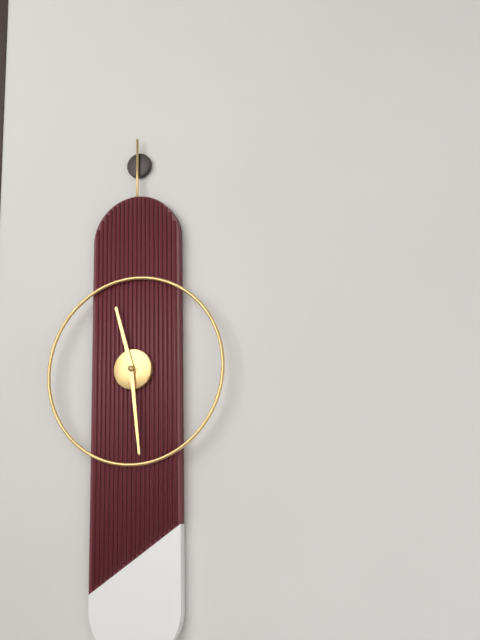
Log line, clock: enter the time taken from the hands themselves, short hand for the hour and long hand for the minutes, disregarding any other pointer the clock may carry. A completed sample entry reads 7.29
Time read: 11.29
